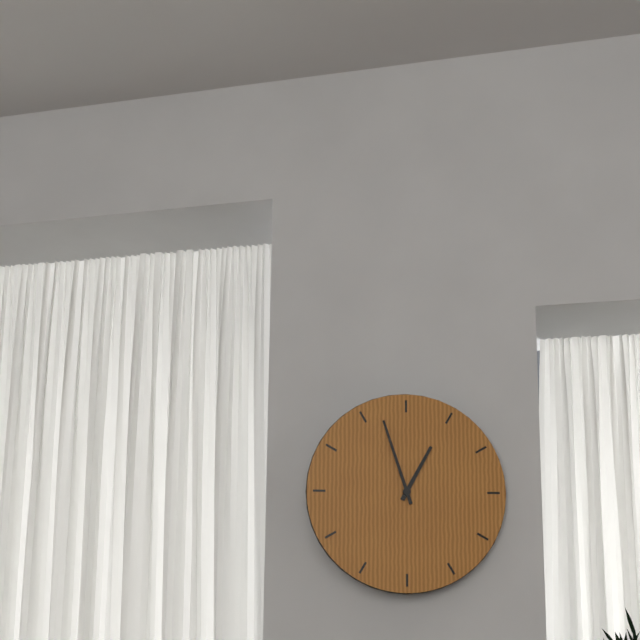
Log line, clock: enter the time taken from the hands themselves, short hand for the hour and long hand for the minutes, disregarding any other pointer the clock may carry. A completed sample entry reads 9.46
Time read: 12.57
